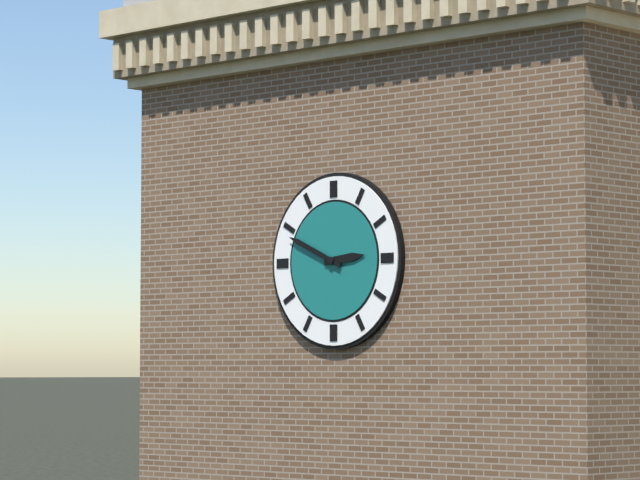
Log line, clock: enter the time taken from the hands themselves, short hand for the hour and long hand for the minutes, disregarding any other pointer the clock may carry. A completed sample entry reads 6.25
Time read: 2.49
